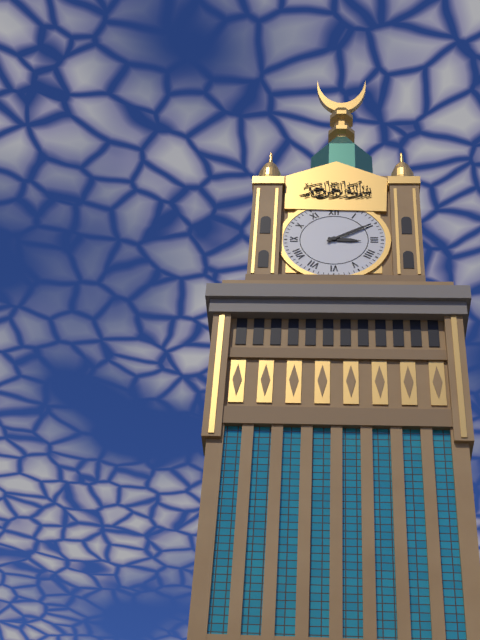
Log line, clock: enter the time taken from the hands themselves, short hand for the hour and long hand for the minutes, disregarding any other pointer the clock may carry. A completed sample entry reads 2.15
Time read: 3.10
